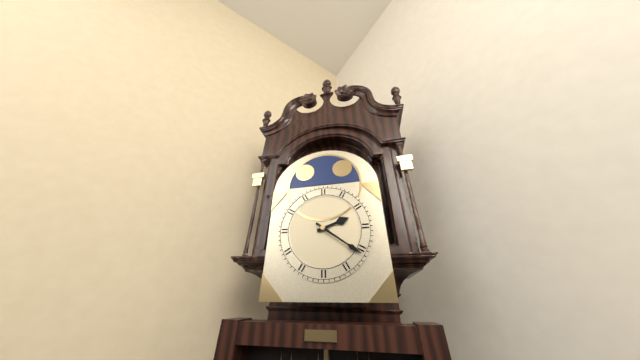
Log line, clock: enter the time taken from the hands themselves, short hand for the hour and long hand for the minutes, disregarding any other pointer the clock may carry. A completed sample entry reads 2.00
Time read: 2.21
